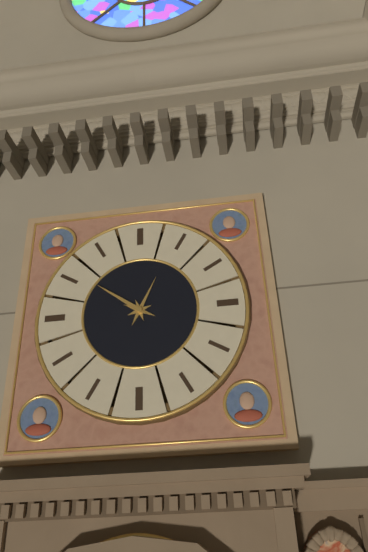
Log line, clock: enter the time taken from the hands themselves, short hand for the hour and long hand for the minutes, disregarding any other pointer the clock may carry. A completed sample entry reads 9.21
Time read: 12.51
